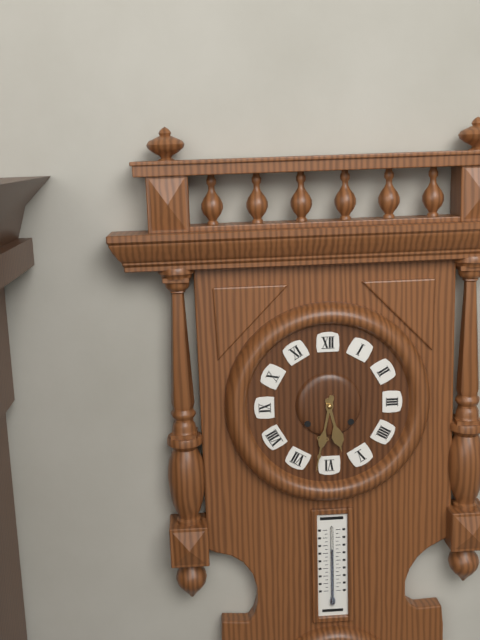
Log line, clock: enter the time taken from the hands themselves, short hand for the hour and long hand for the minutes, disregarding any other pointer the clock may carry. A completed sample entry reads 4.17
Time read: 5.32
